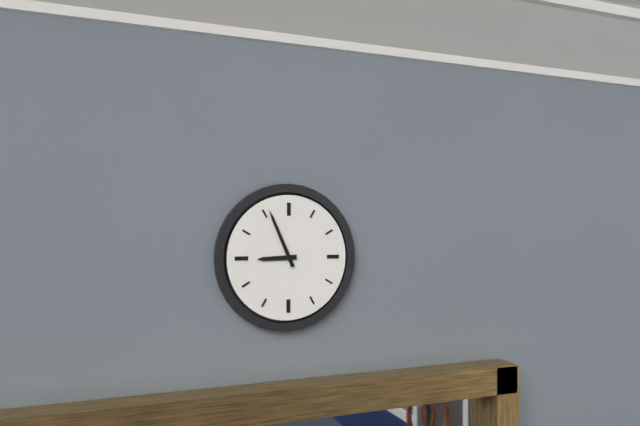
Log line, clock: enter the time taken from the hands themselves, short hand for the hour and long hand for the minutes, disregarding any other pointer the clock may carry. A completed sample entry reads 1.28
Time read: 8.56
